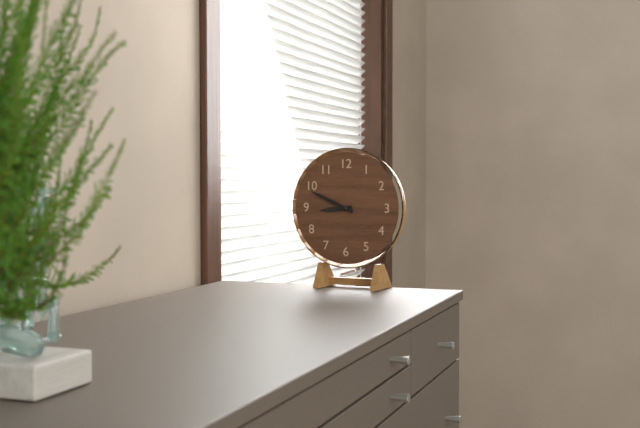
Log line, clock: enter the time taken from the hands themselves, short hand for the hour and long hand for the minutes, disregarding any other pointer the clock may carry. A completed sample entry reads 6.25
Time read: 8.49
